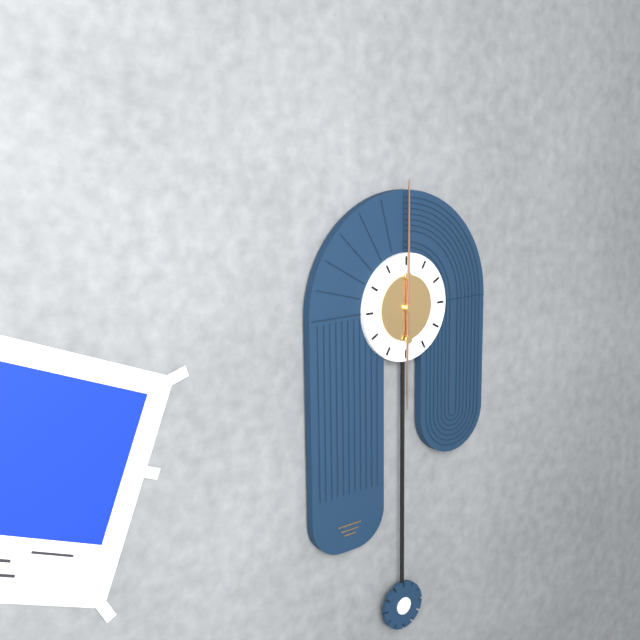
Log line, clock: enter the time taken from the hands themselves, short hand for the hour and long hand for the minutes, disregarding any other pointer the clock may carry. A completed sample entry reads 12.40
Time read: 6.00
